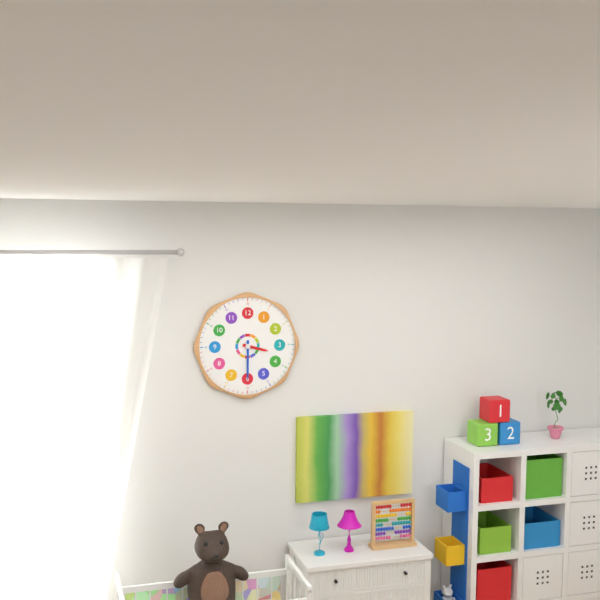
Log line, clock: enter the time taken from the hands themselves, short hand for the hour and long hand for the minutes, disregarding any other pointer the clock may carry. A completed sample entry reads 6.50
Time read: 3.30
